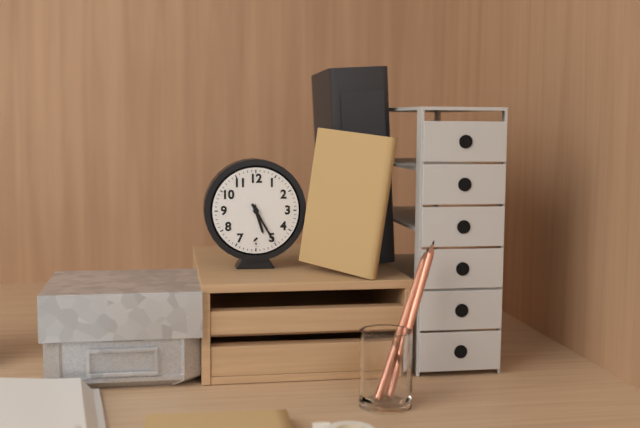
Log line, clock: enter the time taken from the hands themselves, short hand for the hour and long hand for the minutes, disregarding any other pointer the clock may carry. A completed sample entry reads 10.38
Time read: 5.25
